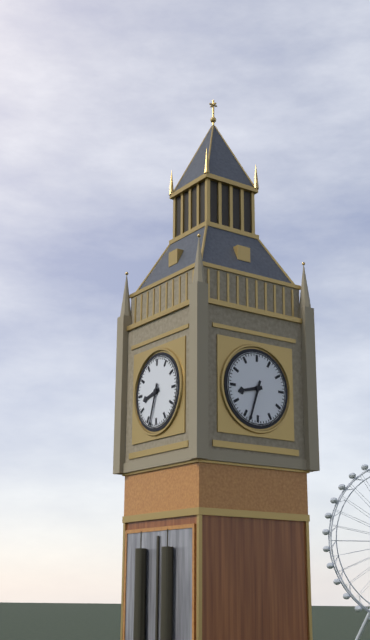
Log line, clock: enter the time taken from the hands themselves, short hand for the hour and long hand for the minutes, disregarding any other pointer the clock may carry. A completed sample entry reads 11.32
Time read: 8.33
